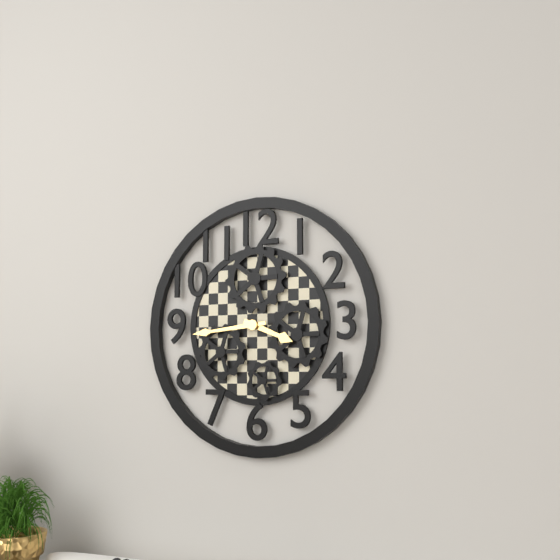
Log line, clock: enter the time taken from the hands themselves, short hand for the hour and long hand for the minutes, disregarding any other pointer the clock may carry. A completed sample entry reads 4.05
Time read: 3.44
